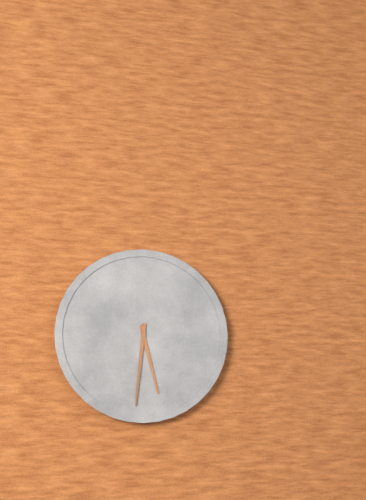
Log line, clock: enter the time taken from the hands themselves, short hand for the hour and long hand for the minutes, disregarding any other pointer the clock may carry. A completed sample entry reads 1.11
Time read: 5.31
